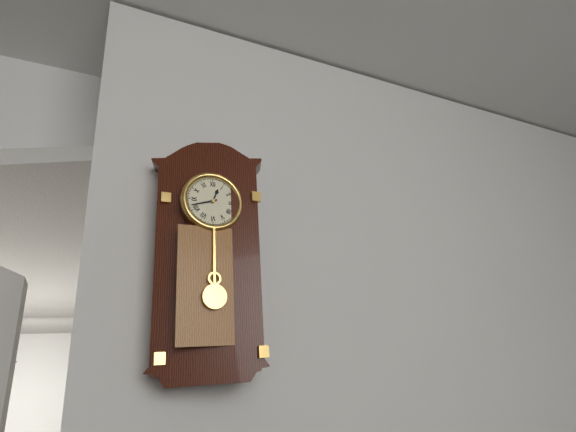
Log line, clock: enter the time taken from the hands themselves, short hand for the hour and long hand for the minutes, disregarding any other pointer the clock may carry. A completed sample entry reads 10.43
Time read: 12.42
